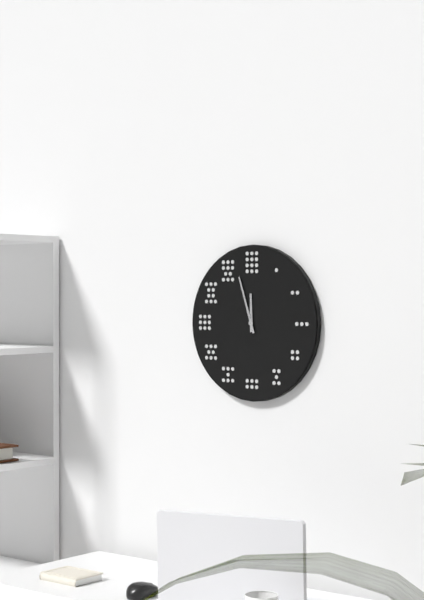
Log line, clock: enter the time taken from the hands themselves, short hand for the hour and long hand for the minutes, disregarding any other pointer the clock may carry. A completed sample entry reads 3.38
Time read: 11.57
